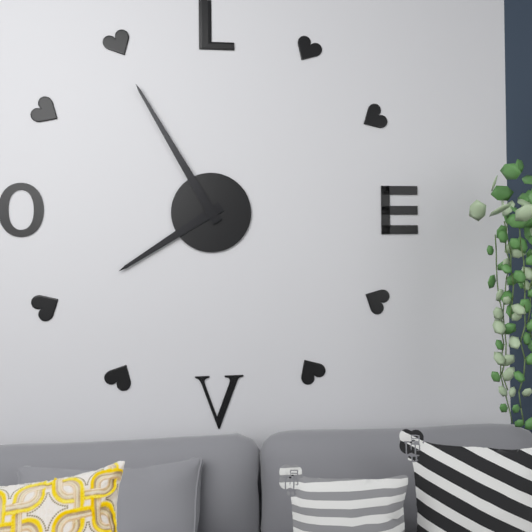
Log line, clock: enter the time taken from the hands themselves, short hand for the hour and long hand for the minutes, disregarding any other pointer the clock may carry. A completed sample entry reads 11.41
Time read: 7.55
